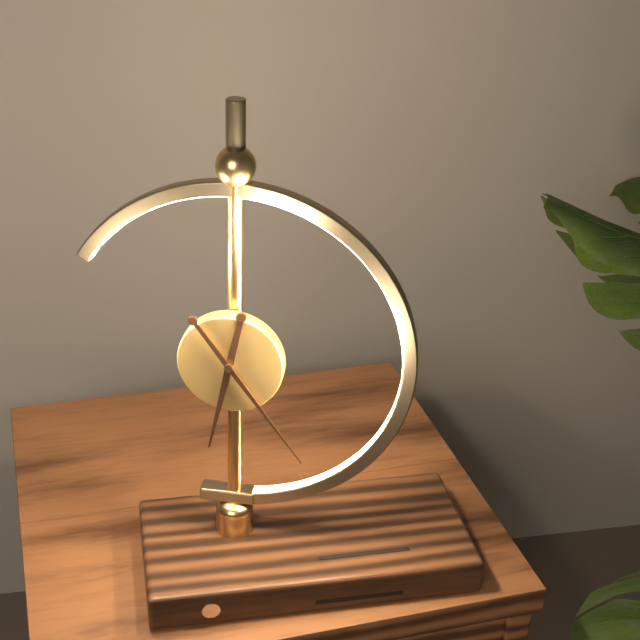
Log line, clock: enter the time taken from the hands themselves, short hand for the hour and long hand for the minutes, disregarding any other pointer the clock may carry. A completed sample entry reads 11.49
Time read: 6.24
